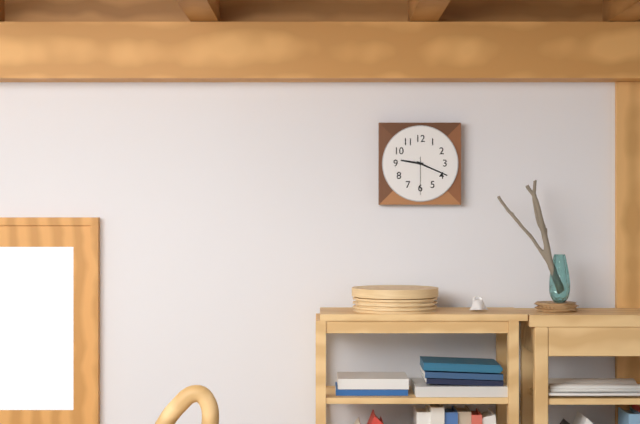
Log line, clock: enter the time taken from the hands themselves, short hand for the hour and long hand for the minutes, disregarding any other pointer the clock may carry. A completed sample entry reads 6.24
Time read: 9.19
